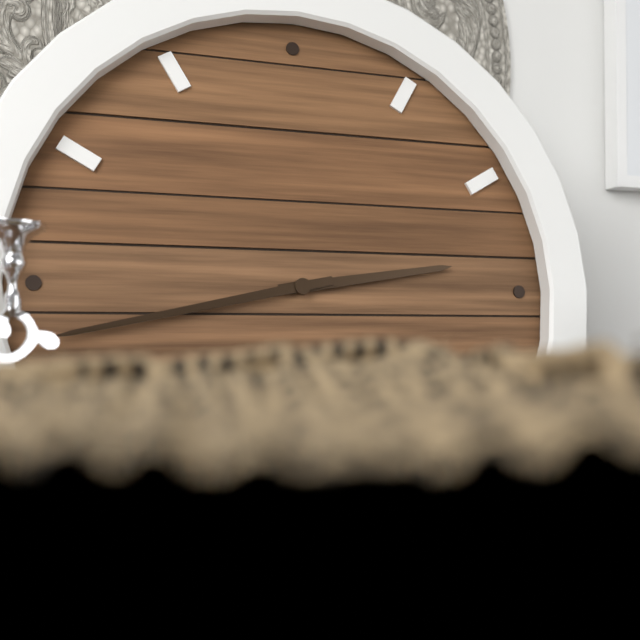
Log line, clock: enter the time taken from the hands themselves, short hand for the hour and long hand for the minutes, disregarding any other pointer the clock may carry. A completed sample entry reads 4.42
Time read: 2.43
